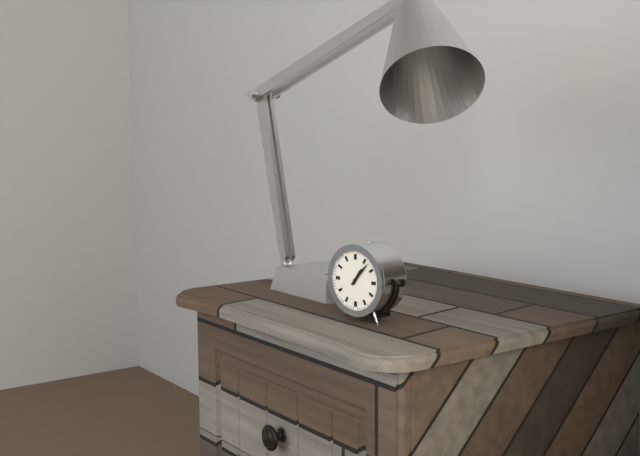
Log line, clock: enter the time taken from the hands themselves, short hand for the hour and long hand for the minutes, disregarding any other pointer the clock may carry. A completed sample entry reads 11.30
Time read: 1.07
